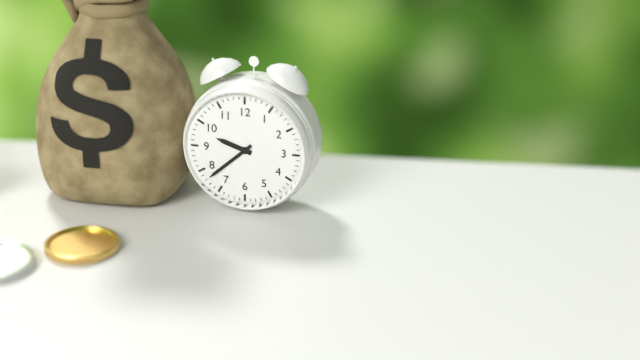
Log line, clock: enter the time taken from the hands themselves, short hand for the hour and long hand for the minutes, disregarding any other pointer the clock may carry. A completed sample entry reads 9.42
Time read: 9.38
